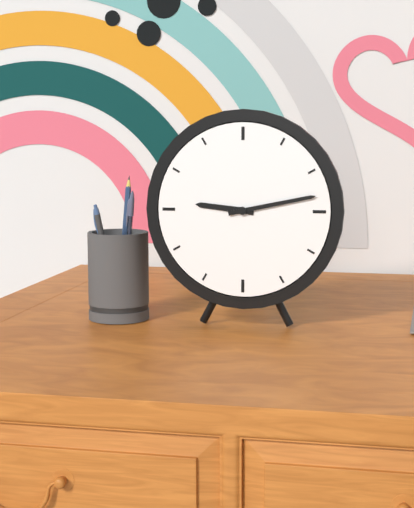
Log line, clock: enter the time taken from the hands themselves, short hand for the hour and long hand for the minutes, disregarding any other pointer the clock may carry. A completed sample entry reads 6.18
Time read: 9.13
